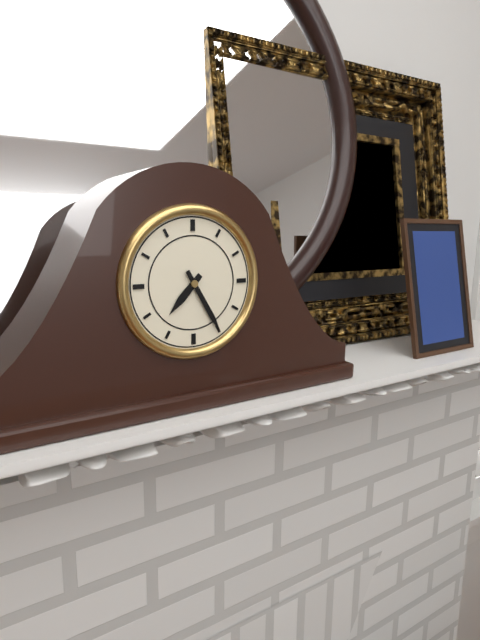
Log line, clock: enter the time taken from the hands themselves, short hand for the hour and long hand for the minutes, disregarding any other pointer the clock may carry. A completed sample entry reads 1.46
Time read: 7.25
